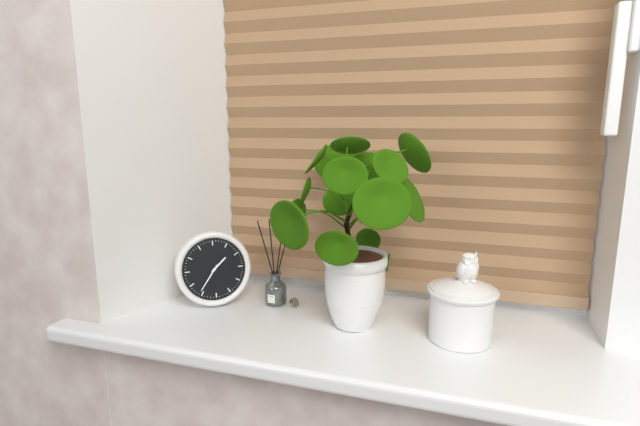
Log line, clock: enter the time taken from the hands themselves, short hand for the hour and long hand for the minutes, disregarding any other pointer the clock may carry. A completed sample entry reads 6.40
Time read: 1.36
